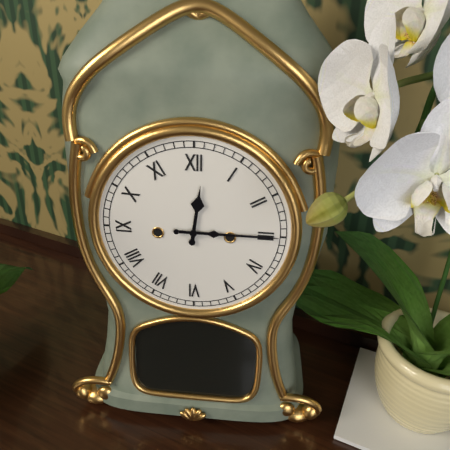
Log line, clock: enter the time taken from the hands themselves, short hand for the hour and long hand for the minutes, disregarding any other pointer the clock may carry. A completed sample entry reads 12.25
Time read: 12.15
